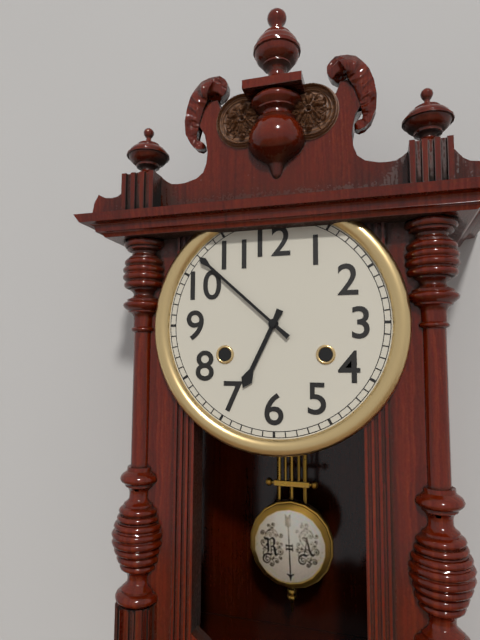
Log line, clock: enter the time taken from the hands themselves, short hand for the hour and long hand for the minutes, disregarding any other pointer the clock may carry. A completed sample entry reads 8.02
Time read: 6.52
